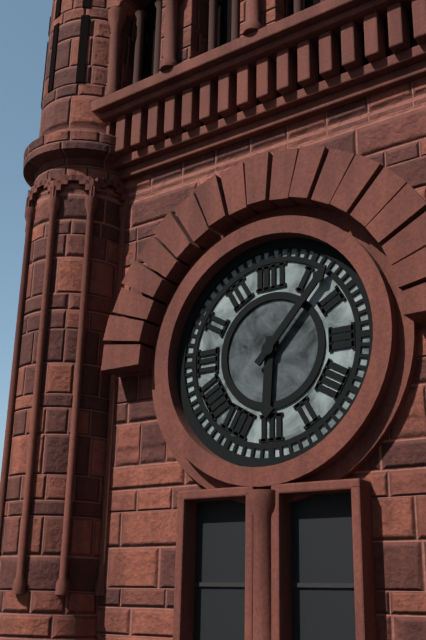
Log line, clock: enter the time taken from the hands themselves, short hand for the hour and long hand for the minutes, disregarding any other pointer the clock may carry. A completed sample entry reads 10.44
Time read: 6.07
